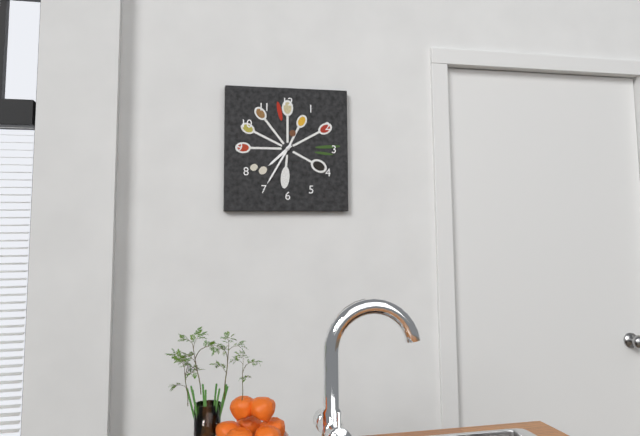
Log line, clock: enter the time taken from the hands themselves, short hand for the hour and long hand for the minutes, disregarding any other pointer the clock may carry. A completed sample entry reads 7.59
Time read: 7.35
